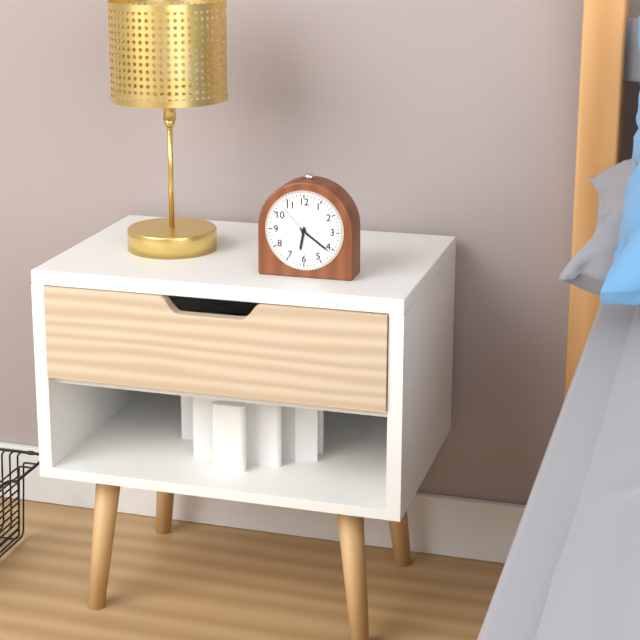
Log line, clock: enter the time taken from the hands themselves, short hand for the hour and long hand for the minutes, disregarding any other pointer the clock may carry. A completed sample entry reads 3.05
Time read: 6.21
